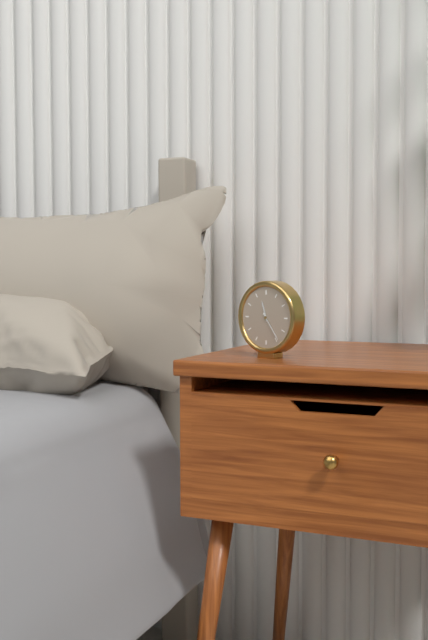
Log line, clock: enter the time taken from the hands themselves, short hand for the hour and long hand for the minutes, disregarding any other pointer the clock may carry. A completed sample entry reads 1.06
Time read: 11.24
